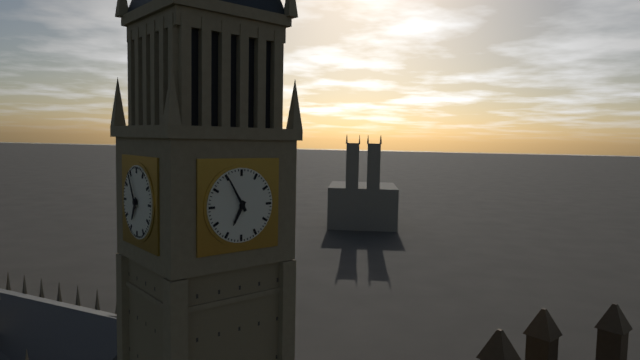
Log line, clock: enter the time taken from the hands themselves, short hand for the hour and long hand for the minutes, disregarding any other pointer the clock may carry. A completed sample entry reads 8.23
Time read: 6.55
